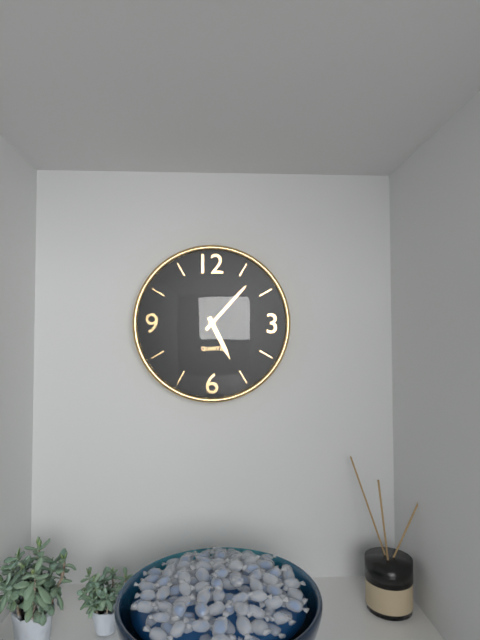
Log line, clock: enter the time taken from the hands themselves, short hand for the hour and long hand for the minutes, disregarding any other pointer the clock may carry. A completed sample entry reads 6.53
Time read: 5.07
